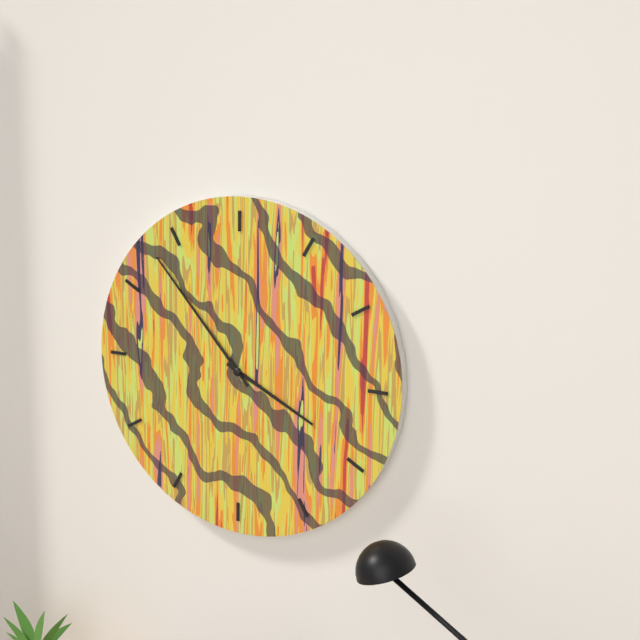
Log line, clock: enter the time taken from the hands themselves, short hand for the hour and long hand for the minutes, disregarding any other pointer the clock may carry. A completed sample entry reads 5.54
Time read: 3.53
